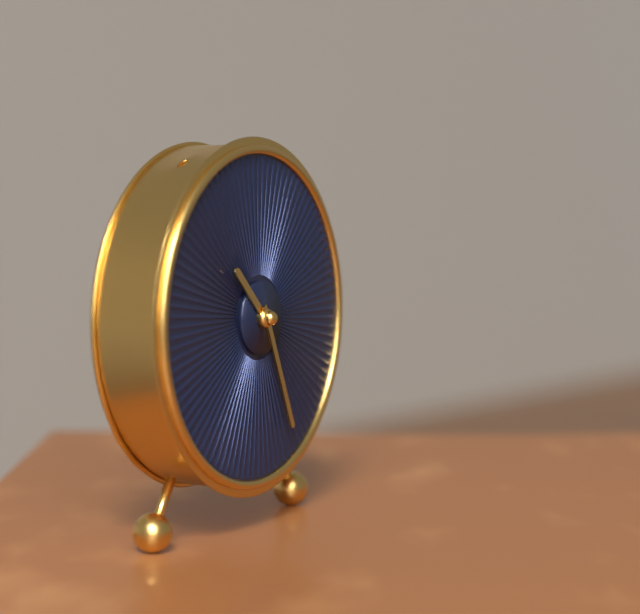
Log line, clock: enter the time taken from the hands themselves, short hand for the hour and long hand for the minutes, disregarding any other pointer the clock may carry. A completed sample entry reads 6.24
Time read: 10.26
